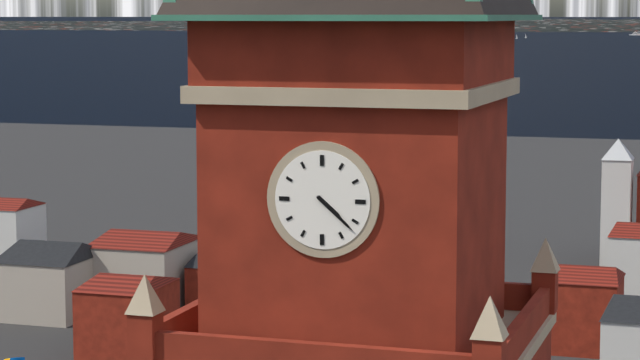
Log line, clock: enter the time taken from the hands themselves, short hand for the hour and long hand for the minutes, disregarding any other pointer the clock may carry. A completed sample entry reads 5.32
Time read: 4.22
